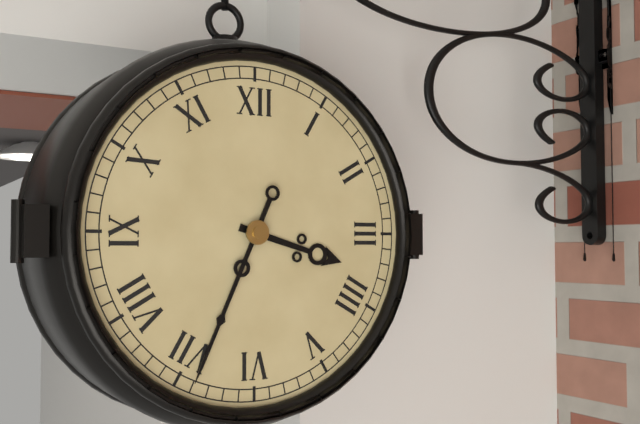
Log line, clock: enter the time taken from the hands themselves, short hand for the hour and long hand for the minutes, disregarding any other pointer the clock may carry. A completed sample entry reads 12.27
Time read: 3.34
